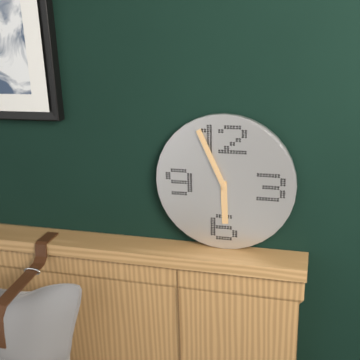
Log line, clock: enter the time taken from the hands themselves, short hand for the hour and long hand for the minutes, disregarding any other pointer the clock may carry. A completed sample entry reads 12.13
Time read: 5.56
